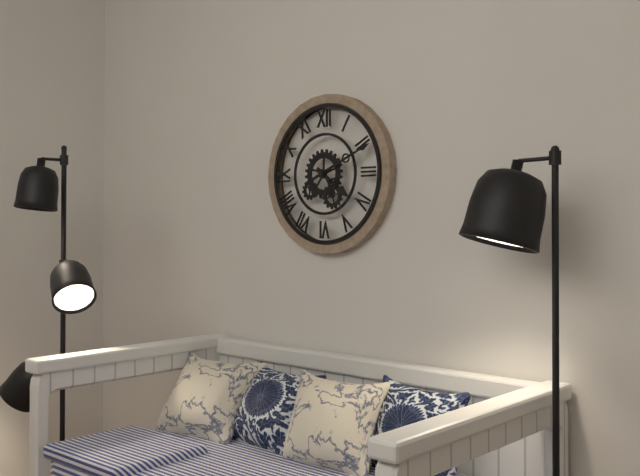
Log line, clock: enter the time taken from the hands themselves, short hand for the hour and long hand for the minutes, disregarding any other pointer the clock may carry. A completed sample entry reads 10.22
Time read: 4.11
